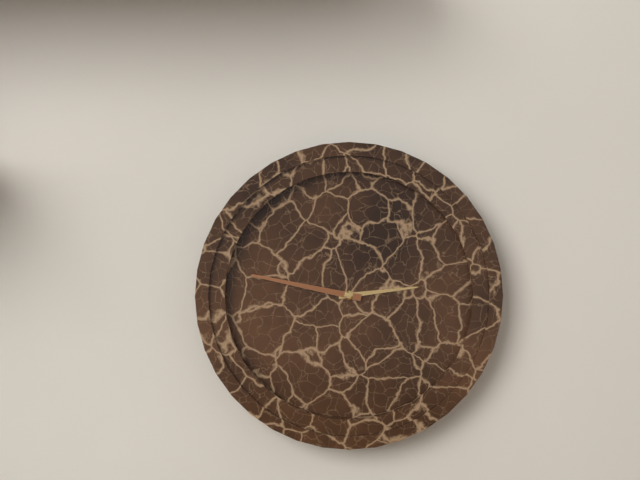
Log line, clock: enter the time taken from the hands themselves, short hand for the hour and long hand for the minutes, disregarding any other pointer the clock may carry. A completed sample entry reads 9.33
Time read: 2.47
